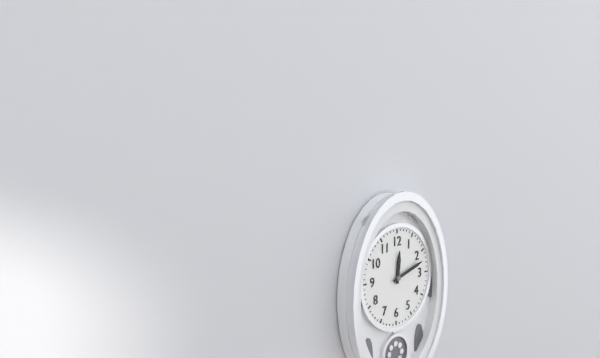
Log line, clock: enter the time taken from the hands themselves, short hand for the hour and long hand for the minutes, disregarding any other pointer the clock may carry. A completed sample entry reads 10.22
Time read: 12.12
